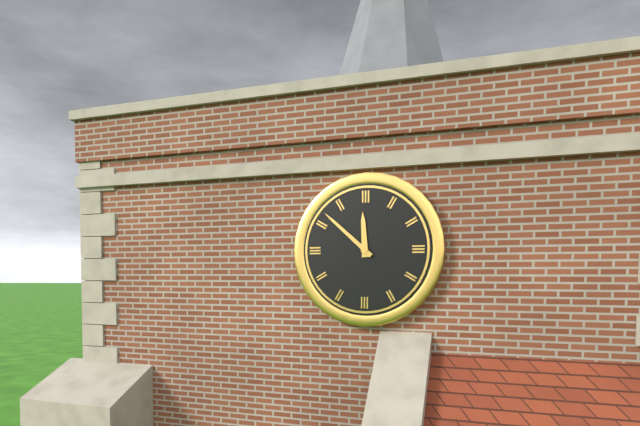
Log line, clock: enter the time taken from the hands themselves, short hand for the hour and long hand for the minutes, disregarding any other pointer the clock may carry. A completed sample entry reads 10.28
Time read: 11.52
